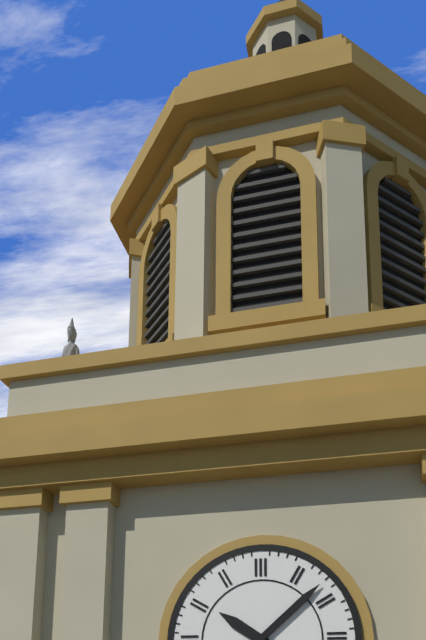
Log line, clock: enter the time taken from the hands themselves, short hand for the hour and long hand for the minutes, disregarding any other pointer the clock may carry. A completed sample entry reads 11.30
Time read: 10.08
